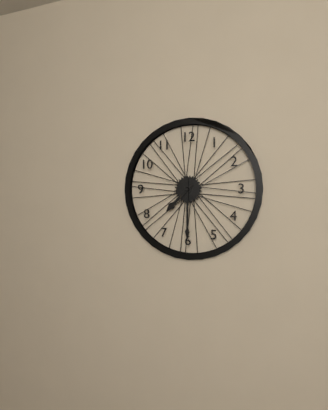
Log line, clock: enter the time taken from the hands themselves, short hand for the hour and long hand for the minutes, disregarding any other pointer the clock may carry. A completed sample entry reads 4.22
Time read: 7.30
